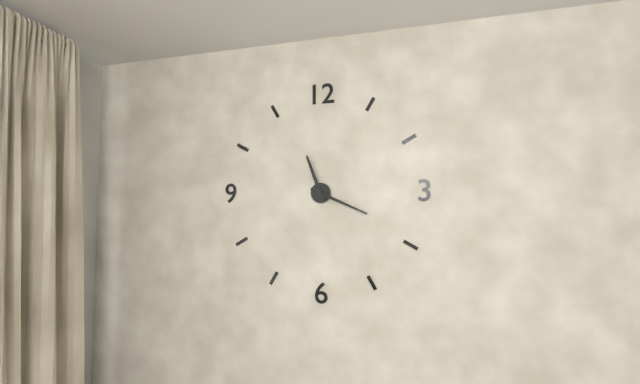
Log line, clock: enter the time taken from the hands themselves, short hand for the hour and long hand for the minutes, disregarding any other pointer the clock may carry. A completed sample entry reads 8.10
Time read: 11.19
